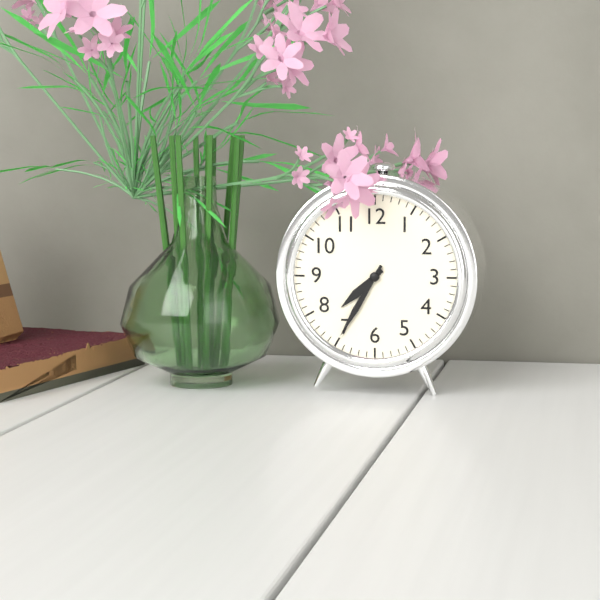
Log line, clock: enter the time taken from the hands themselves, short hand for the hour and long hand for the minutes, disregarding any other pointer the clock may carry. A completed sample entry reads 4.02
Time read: 7.35
